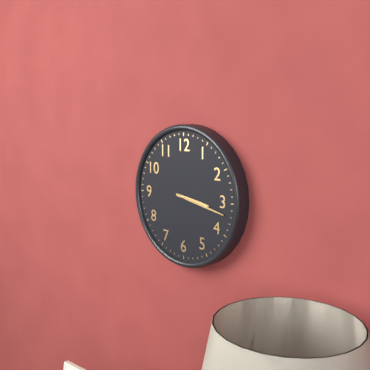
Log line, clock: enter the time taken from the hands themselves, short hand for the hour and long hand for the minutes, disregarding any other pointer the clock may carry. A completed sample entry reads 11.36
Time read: 3.17
